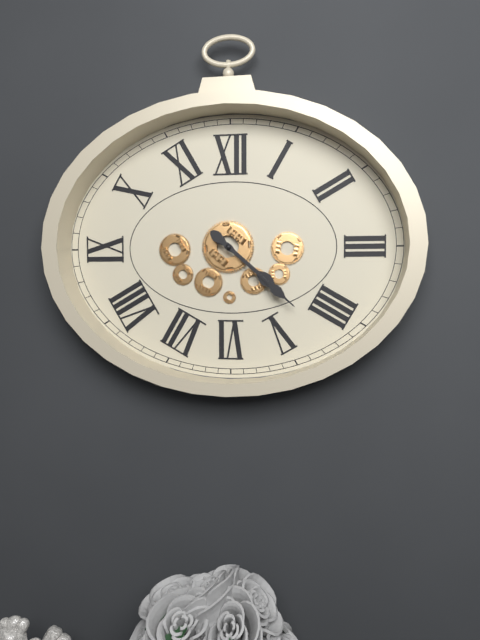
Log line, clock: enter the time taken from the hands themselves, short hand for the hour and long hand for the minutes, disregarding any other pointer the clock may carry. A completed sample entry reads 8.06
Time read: 4.22
